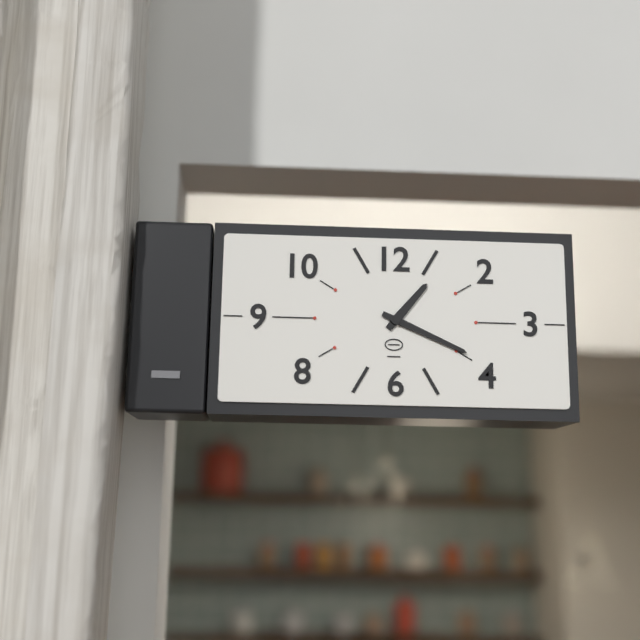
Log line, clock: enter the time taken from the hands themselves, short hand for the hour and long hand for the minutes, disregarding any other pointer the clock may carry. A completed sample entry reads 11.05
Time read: 1.19
